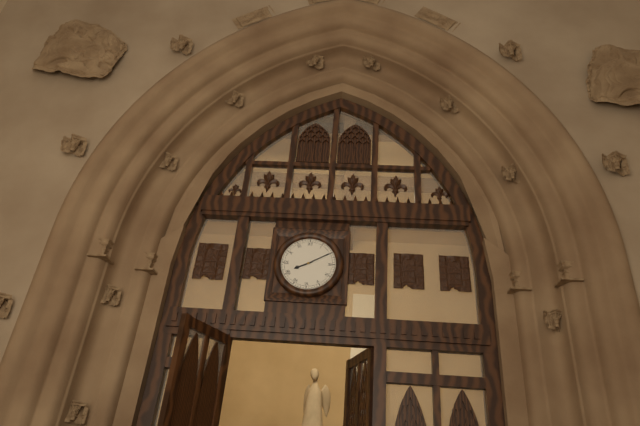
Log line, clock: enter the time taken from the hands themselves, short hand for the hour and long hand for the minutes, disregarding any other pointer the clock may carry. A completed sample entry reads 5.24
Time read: 8.10
